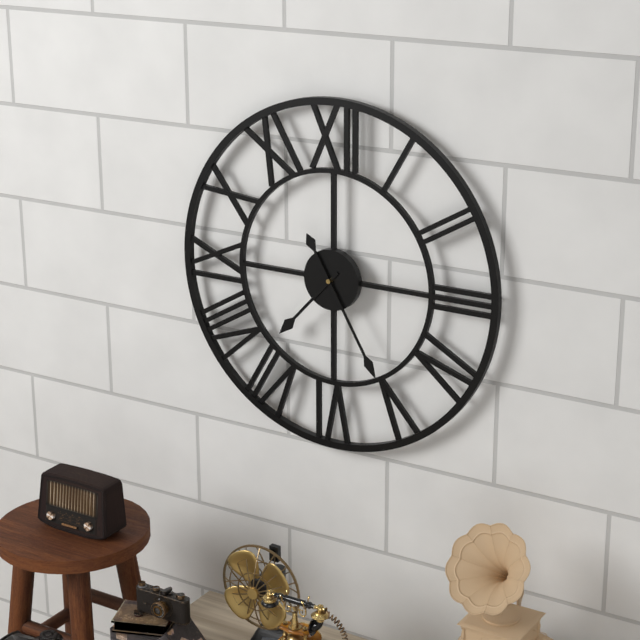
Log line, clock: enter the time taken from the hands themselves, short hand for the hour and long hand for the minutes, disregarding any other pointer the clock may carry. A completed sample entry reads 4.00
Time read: 7.25
